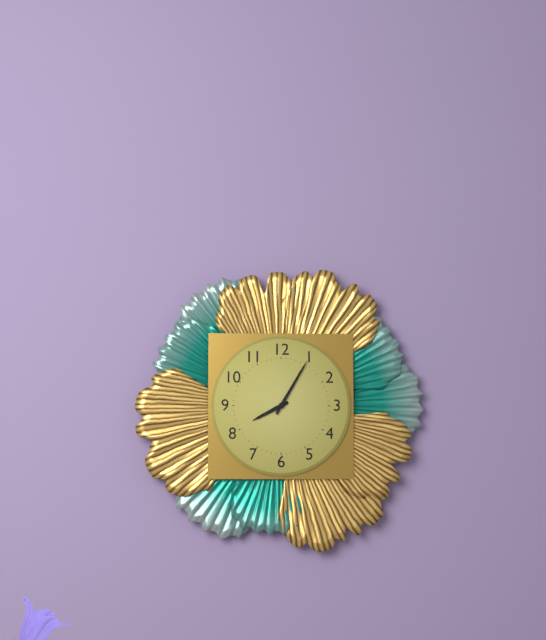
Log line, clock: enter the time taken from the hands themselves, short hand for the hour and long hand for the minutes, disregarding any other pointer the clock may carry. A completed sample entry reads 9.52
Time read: 8.05
